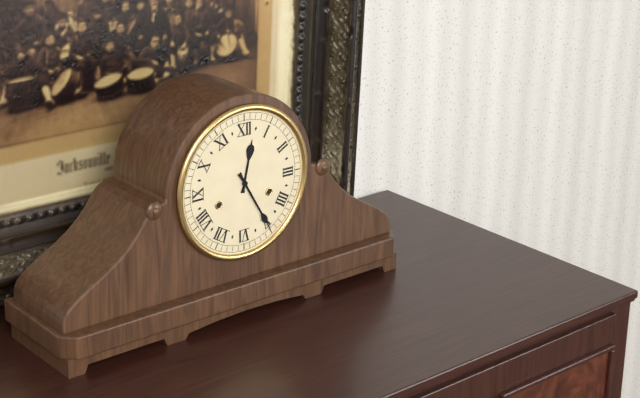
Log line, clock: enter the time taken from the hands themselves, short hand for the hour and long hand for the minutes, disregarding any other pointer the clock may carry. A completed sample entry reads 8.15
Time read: 12.25
